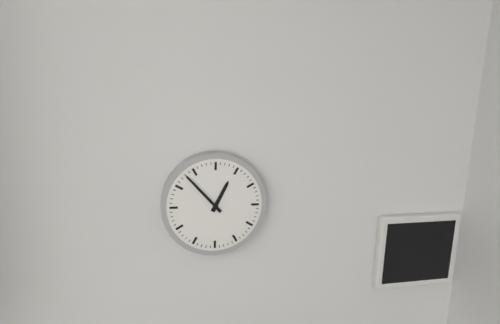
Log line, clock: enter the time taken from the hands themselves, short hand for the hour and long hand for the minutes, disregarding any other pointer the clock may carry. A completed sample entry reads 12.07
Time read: 12.53
